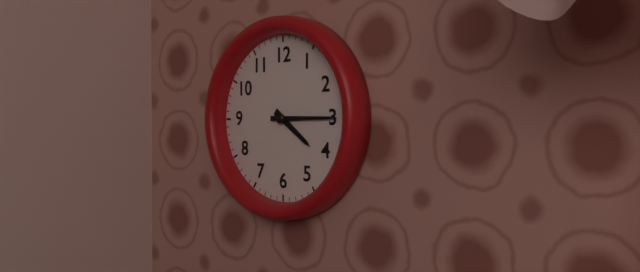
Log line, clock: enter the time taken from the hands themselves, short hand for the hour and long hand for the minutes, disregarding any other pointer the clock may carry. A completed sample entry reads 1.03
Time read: 4.15
